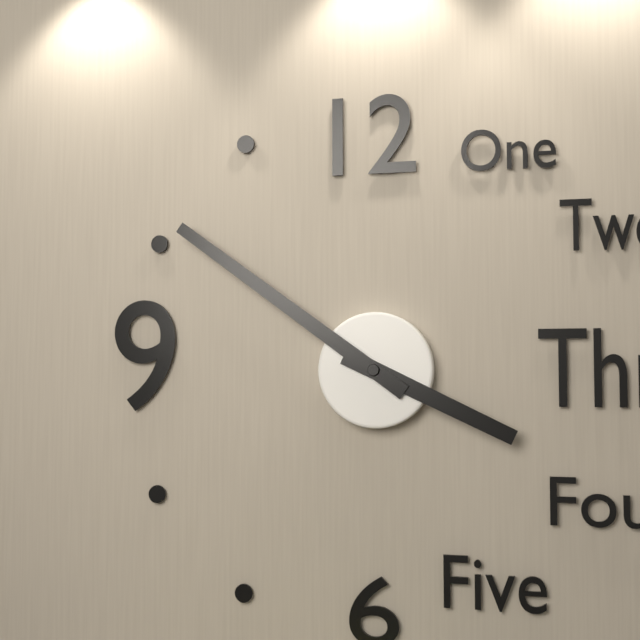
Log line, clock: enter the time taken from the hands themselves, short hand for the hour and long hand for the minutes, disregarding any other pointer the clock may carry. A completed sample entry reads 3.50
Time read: 3.51
